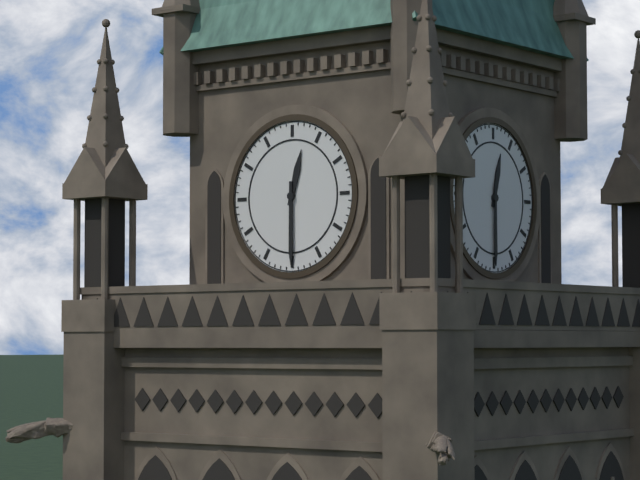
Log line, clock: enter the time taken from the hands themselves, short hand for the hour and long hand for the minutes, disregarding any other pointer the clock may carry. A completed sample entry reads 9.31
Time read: 12.30
